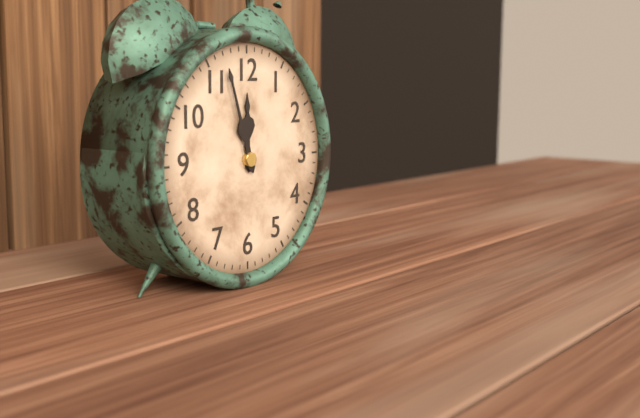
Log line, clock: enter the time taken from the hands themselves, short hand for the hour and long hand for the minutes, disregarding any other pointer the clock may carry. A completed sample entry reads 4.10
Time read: 11.57
